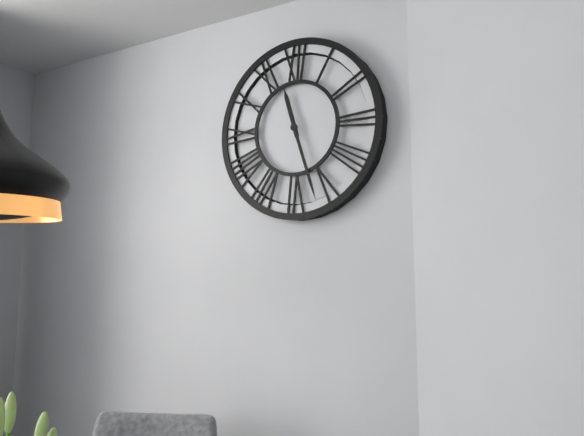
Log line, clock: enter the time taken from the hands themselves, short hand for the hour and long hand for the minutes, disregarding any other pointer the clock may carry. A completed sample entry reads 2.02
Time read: 11.27
